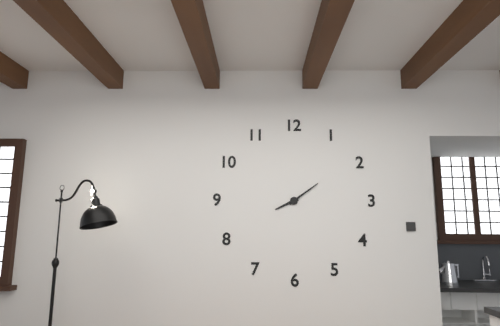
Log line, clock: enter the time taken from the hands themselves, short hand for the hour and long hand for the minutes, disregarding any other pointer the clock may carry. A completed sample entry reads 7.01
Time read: 8.09
